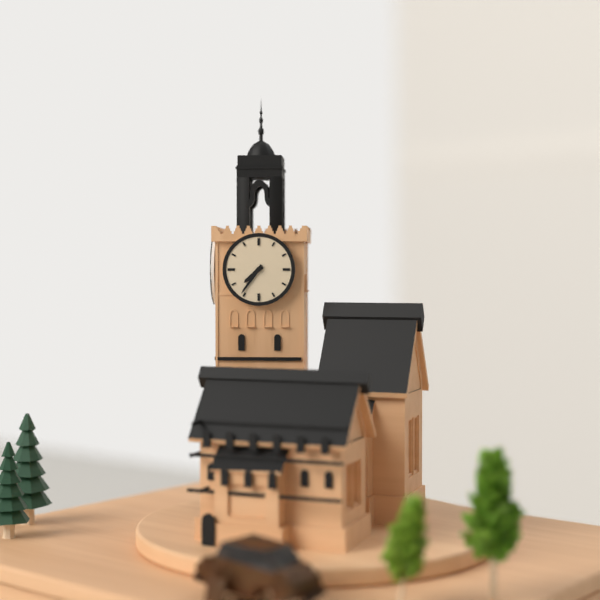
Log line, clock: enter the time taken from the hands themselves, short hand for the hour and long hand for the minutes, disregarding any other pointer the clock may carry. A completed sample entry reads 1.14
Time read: 7.36
